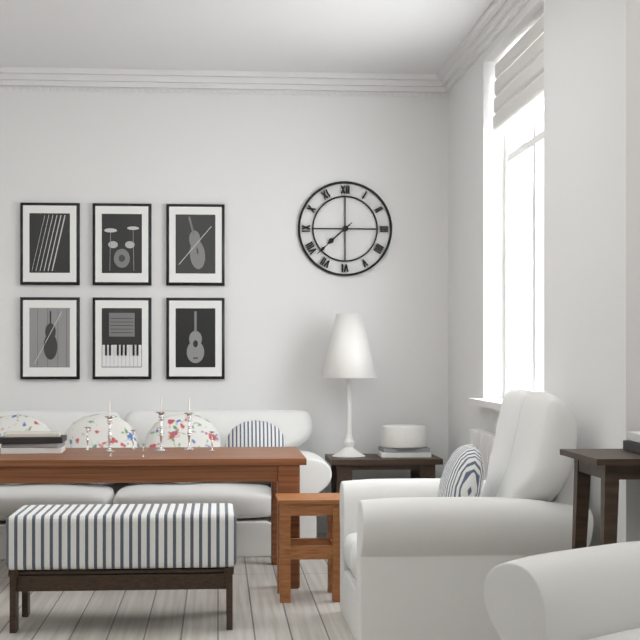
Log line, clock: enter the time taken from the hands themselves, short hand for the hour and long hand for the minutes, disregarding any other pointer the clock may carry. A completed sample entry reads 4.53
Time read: 7.38
